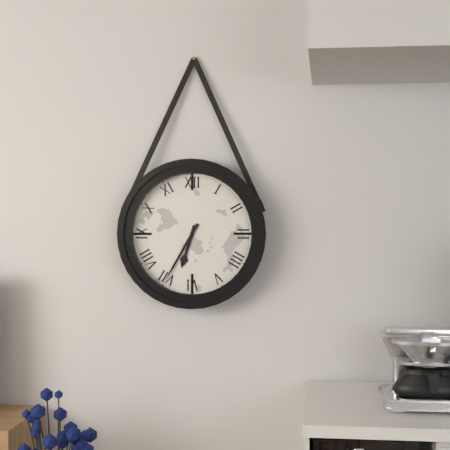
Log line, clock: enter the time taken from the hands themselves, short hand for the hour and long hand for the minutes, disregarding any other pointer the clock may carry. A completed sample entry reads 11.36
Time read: 6.35
